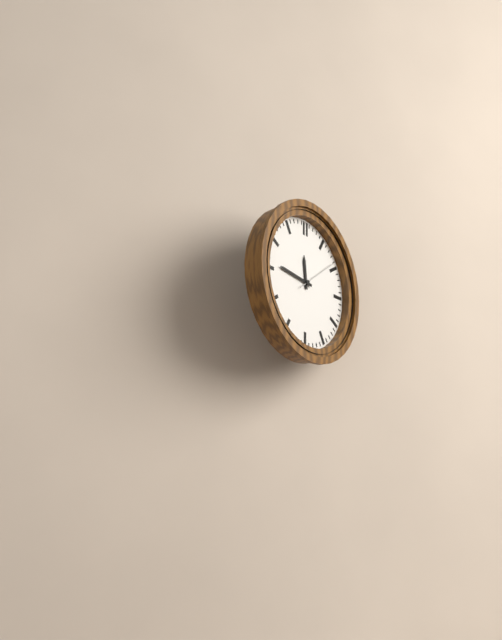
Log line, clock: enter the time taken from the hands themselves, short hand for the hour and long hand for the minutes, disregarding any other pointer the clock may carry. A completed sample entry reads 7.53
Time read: 11.46
